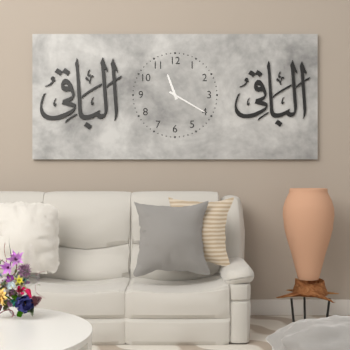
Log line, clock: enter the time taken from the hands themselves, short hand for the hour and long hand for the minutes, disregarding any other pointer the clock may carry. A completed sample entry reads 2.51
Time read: 11.20
